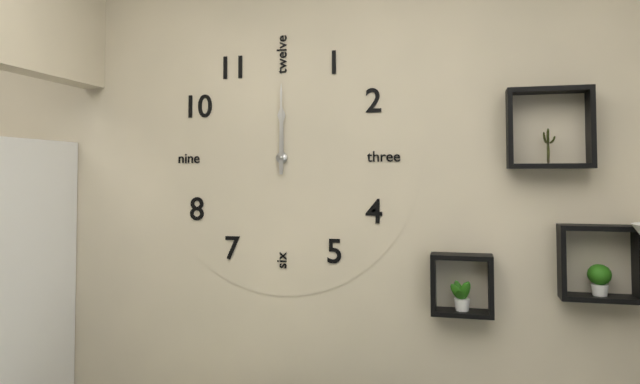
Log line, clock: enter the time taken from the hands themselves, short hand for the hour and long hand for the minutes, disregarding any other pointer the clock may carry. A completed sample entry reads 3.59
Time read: 12.00
